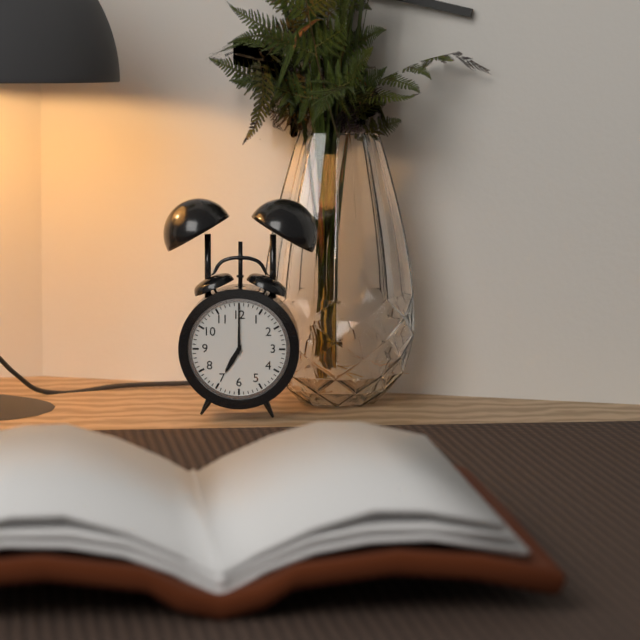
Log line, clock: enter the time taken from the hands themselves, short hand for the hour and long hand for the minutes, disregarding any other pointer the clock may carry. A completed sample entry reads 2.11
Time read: 7.00
